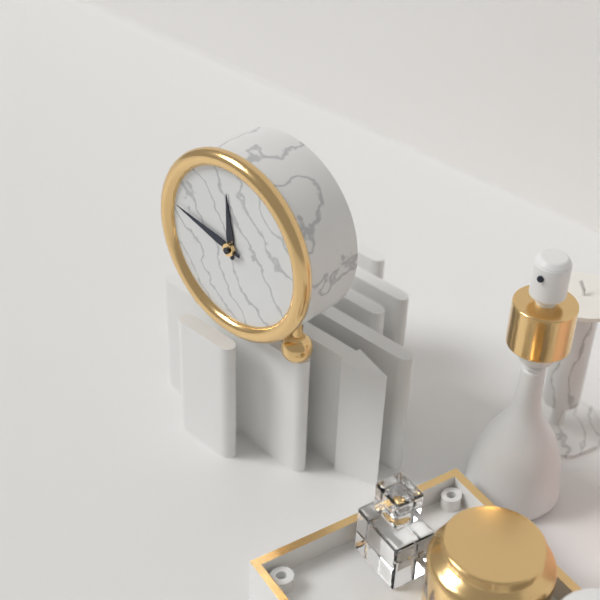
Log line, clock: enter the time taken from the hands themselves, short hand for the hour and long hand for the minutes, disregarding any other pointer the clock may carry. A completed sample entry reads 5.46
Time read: 11.47
